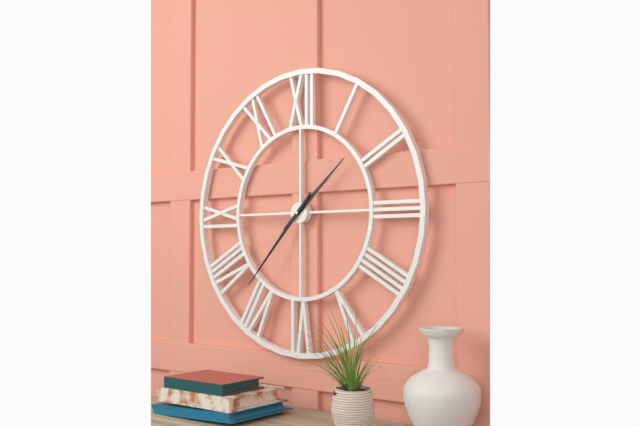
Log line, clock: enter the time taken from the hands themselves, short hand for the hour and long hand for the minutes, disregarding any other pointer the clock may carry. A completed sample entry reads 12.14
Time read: 1.37
